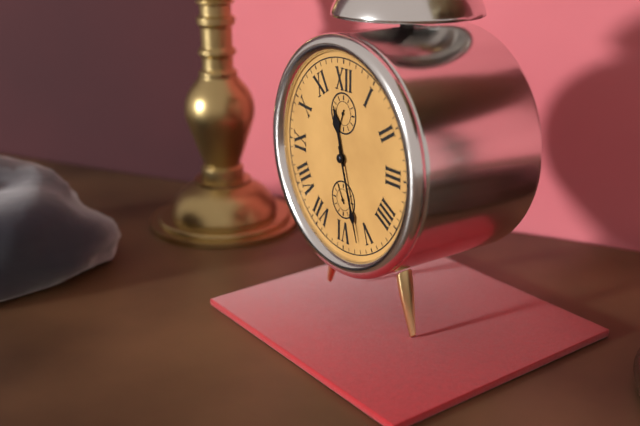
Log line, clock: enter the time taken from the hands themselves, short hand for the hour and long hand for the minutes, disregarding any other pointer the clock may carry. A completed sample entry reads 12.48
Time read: 11.27
